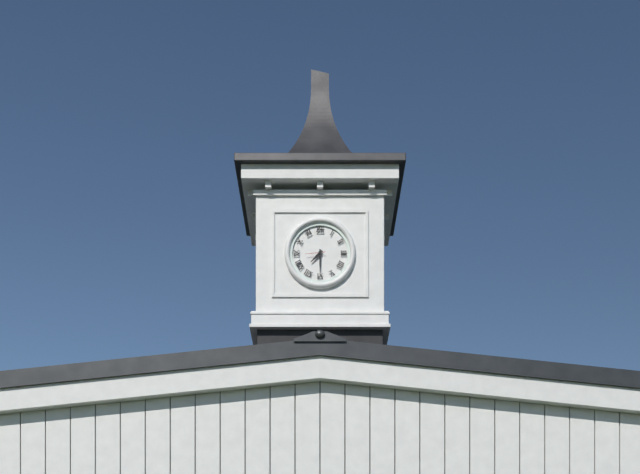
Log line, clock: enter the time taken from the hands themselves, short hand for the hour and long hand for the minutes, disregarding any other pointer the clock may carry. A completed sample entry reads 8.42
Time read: 7.30
